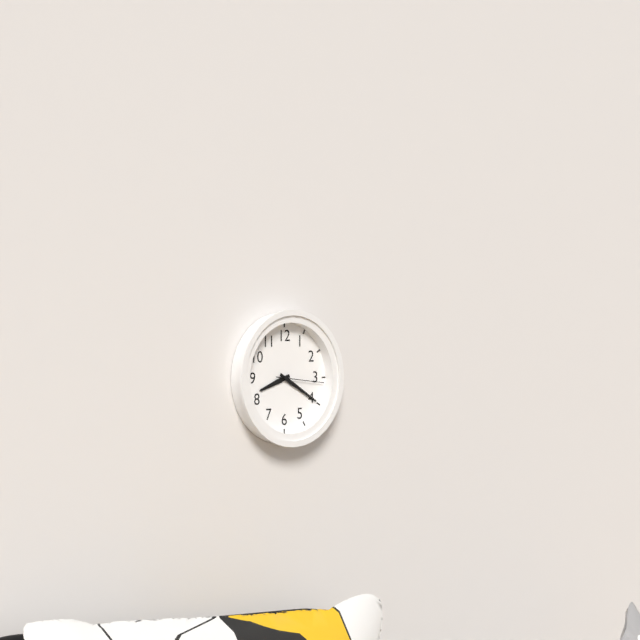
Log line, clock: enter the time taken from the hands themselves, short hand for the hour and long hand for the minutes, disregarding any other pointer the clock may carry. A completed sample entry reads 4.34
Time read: 8.20
